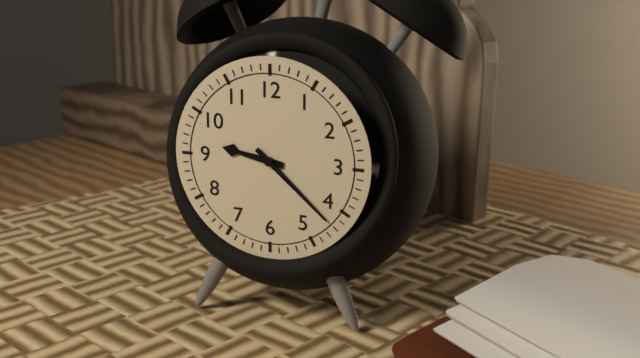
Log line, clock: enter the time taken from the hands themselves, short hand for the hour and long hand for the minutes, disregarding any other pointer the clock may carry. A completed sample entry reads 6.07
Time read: 9.22
